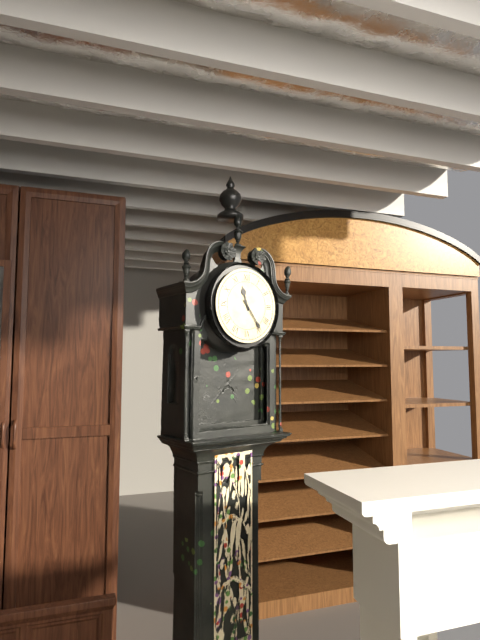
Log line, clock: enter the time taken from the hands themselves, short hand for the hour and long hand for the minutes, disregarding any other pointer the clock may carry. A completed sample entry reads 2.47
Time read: 11.24
